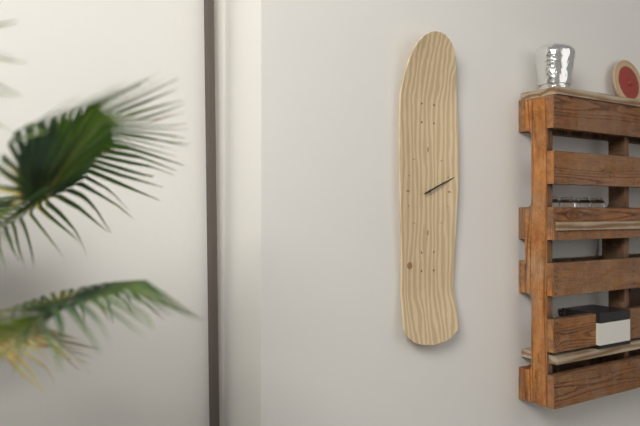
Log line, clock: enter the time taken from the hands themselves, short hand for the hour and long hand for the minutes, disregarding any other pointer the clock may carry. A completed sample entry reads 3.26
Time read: 2.11
